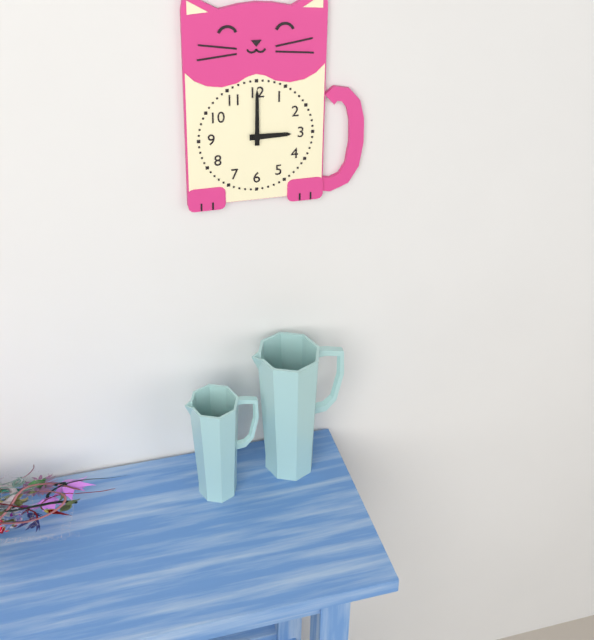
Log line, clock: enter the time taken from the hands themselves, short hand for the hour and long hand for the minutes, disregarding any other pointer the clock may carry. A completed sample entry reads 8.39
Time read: 3.00
